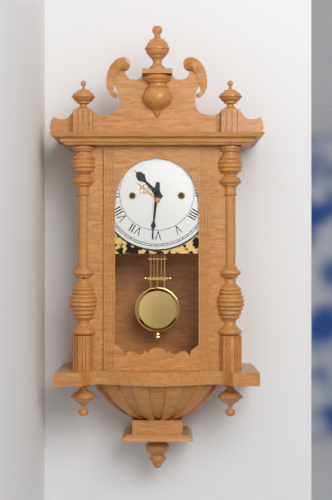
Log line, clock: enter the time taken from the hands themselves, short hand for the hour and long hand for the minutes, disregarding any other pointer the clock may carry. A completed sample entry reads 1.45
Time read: 10.31
